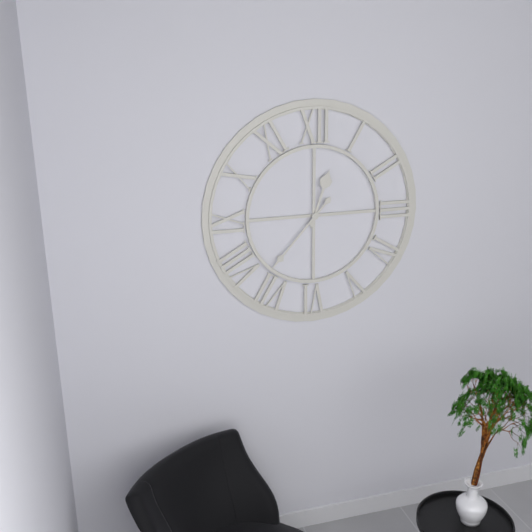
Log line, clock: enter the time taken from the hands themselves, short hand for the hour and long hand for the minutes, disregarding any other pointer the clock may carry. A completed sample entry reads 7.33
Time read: 12.37
